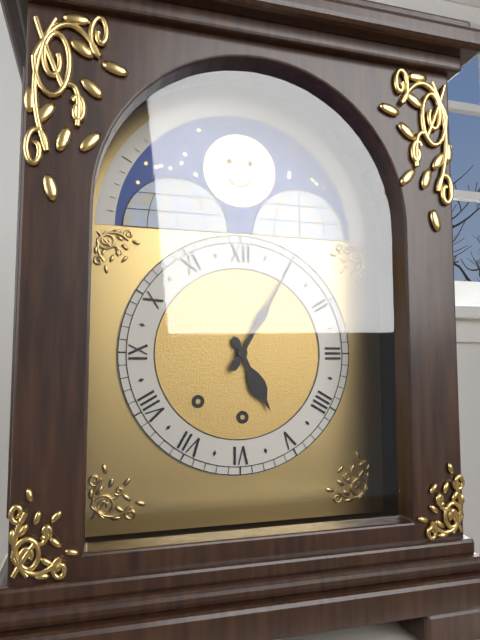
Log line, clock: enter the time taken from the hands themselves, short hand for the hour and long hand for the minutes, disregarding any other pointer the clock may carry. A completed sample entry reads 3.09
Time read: 5.05
